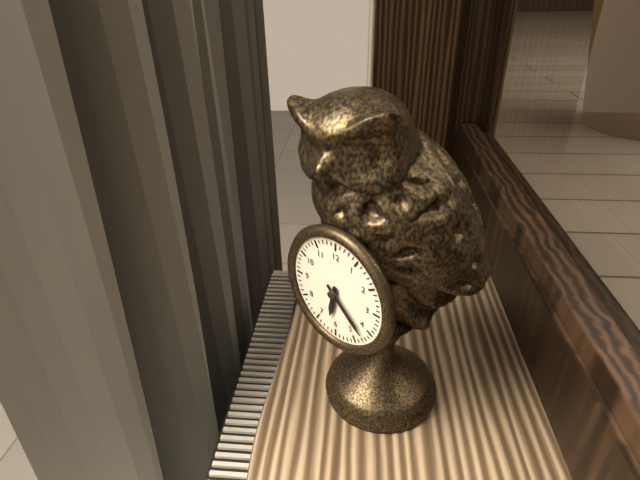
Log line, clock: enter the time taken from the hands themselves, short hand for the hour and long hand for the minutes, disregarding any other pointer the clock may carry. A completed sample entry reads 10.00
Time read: 6.22
